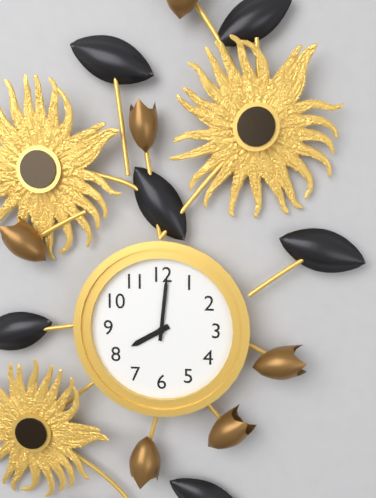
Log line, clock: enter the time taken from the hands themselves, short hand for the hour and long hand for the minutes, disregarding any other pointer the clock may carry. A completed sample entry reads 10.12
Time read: 8.01
